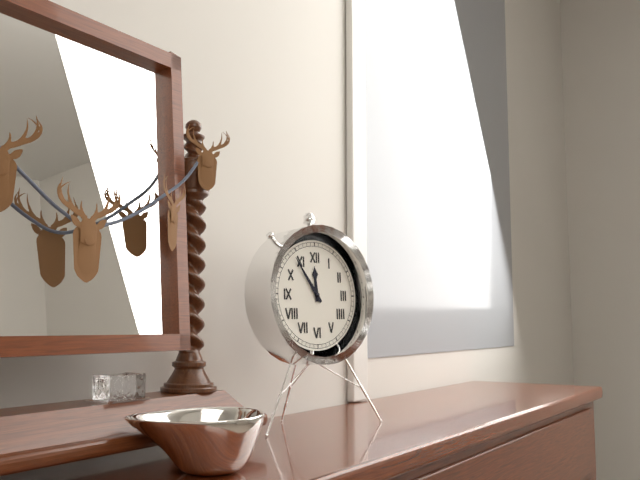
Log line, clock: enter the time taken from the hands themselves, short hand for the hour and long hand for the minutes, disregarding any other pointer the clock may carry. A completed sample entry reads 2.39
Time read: 11.54
